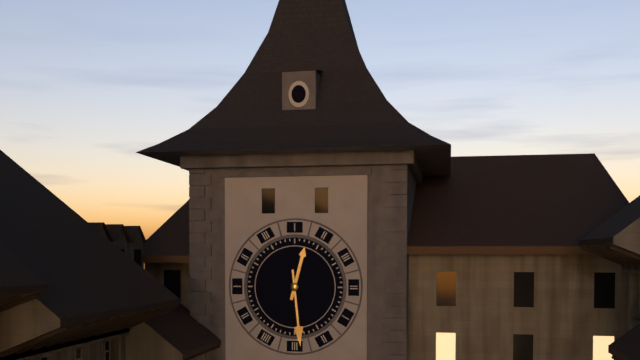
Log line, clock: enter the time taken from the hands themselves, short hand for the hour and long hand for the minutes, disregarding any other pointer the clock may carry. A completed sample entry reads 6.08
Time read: 12.29
